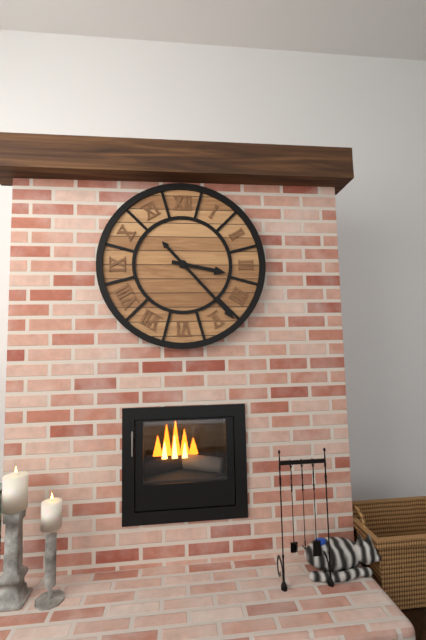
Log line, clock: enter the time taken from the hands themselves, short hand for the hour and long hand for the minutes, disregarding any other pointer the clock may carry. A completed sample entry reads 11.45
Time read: 3.23
